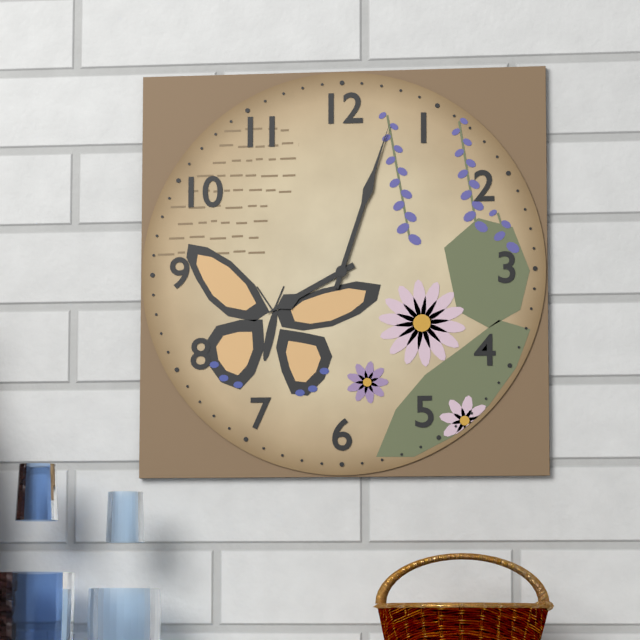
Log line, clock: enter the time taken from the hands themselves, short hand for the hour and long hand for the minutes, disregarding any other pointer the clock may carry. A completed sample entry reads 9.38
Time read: 8.03
